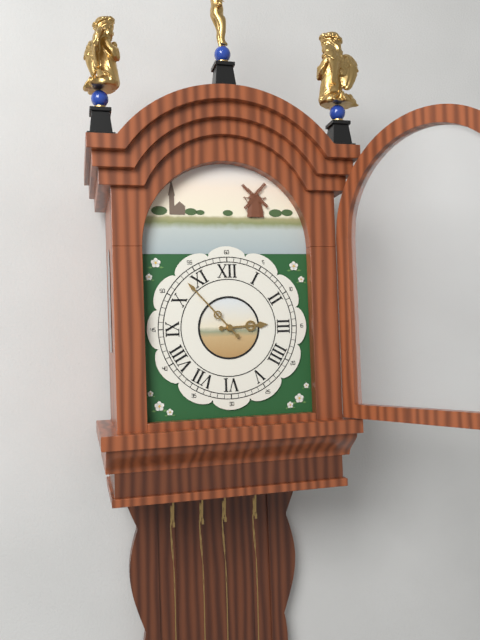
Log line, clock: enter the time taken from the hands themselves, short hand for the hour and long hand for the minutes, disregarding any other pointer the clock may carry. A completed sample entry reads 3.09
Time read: 2.53
